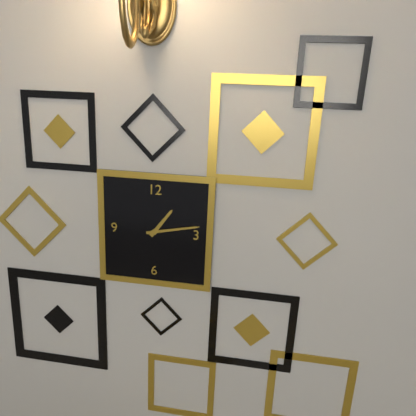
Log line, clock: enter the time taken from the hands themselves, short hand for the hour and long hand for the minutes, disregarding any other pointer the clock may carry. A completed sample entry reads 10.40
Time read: 1.13
